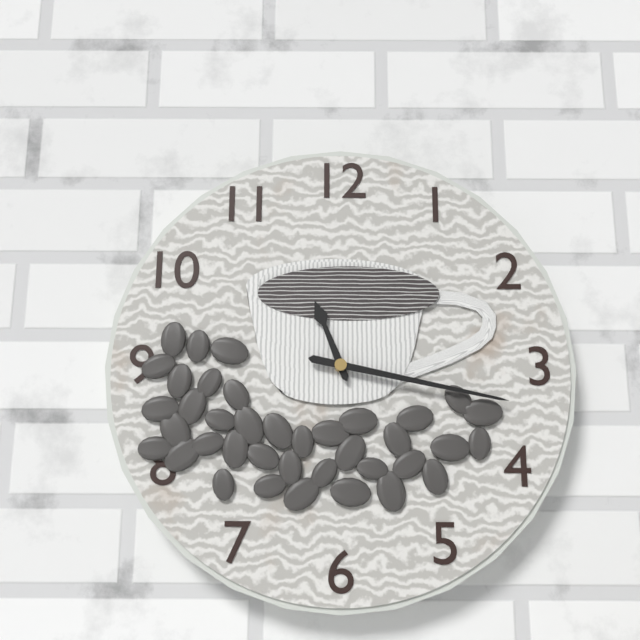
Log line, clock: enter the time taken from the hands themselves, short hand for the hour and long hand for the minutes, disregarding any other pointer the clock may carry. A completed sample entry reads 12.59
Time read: 11.17
